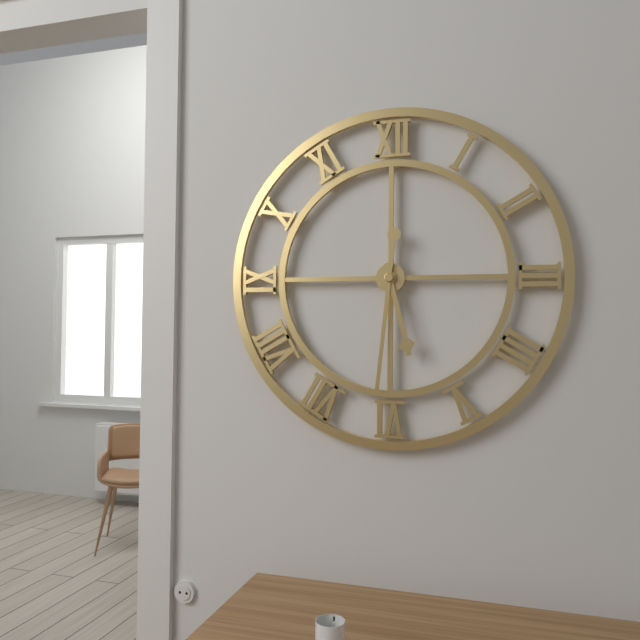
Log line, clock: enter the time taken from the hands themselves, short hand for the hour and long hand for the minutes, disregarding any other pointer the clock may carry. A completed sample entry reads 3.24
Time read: 5.31
